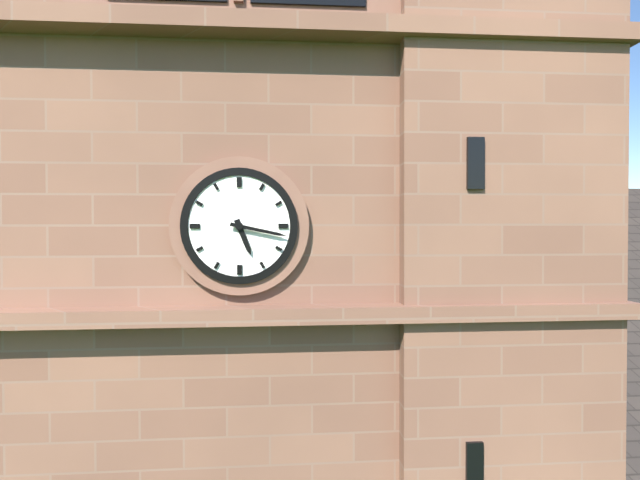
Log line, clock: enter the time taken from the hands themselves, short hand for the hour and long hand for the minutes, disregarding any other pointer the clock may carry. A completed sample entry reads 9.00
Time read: 5.17
